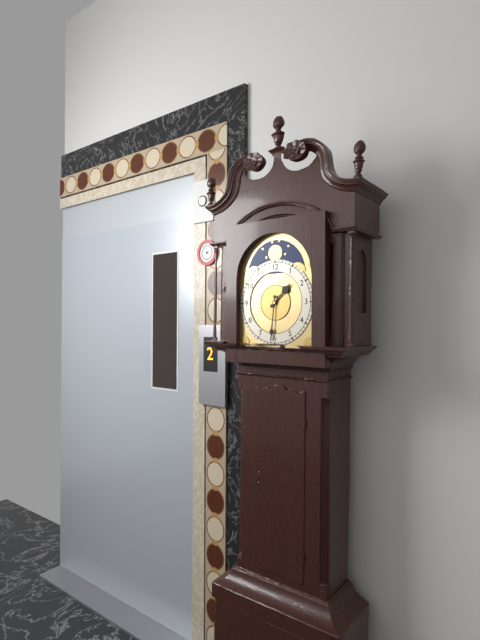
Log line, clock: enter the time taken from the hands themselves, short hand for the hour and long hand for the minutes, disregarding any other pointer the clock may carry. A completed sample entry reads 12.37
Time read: 1.31
